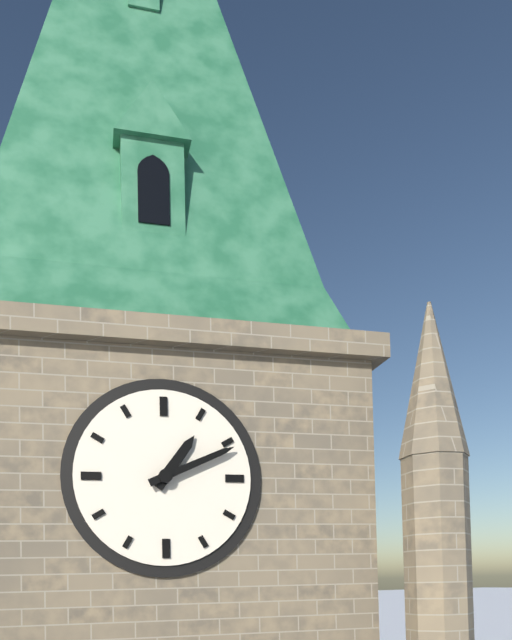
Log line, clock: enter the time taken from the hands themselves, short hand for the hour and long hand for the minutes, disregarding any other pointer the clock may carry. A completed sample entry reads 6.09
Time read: 1.11
